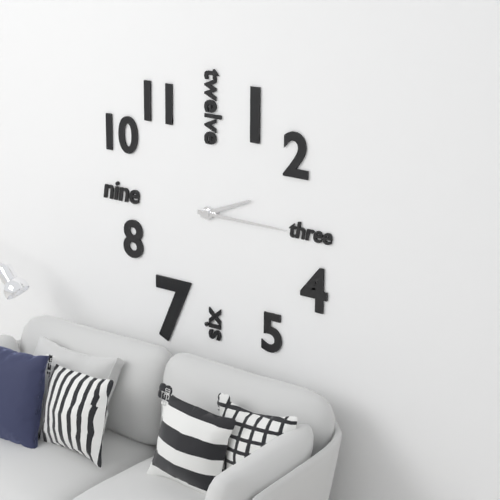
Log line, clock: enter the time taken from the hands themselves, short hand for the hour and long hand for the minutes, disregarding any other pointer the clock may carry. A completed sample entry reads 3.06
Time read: 2.15
